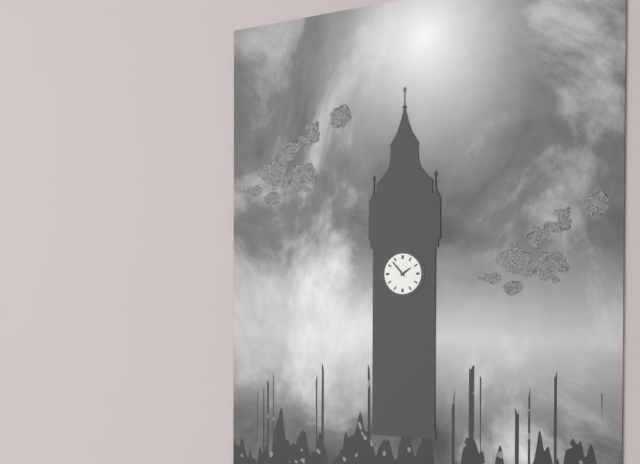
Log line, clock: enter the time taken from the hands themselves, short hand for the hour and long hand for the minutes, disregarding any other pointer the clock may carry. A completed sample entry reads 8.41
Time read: 1.53
